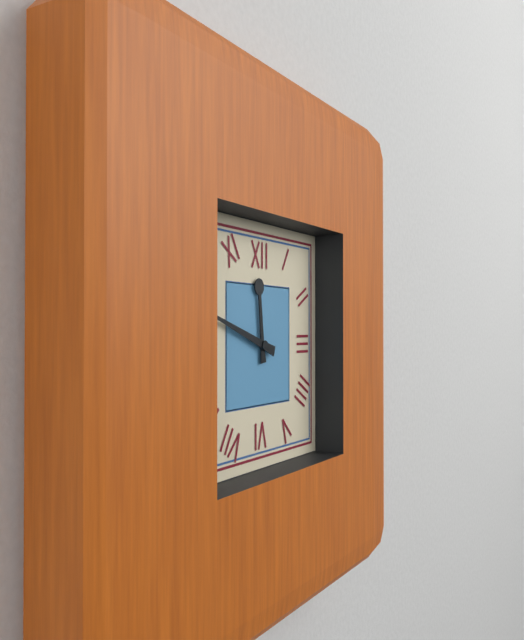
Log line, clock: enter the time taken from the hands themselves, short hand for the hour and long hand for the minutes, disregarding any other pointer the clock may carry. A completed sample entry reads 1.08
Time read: 11.48
